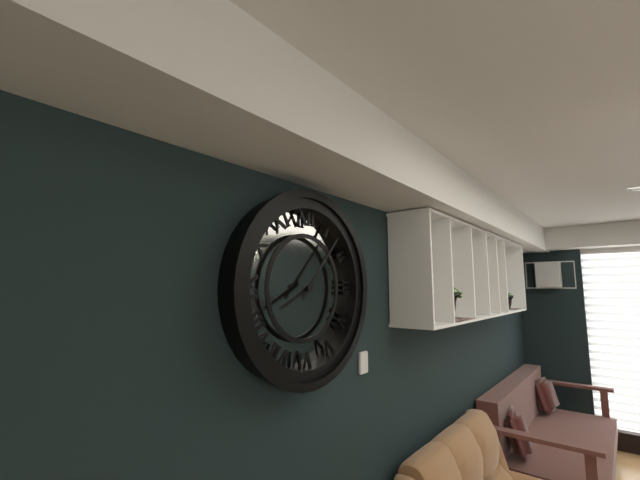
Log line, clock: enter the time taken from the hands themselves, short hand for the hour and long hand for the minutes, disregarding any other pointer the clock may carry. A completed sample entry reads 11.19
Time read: 8.07
